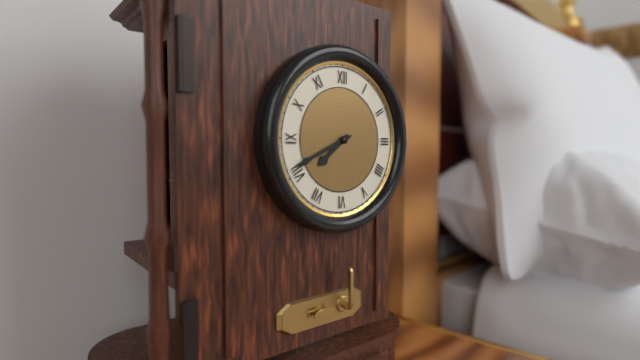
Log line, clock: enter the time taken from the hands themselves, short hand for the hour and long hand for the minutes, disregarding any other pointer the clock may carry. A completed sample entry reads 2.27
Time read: 7.41
